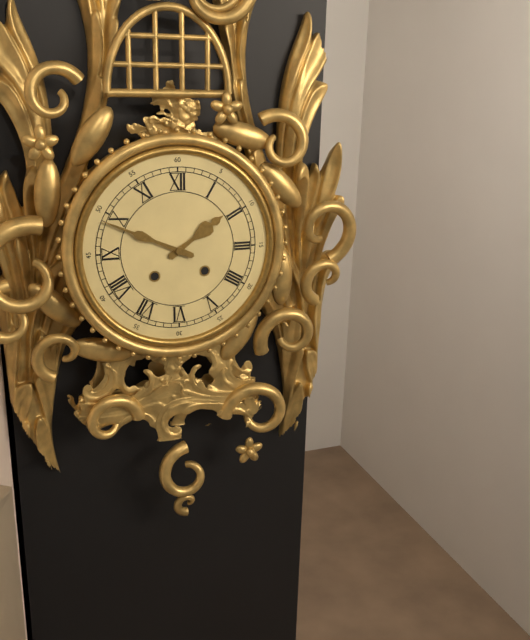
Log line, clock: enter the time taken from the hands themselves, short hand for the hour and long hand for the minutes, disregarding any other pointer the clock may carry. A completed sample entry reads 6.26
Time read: 1.49
